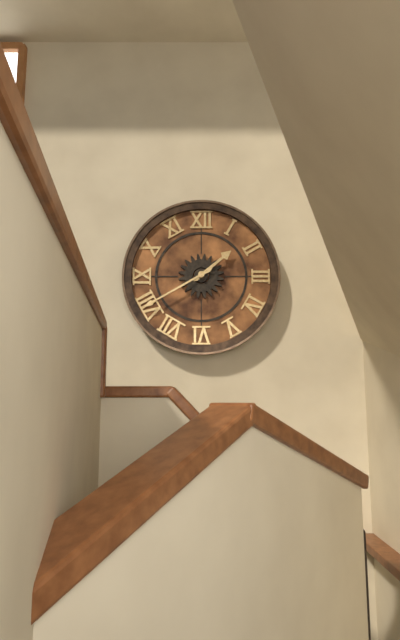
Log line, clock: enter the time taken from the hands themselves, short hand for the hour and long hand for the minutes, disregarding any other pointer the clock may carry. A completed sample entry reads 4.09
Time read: 1.40
